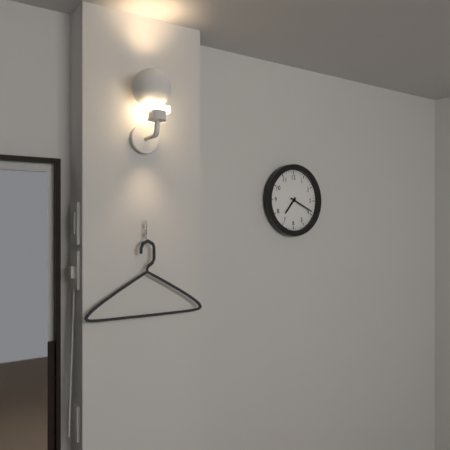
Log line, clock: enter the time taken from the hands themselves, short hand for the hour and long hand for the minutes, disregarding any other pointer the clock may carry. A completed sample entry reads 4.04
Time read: 7.19
